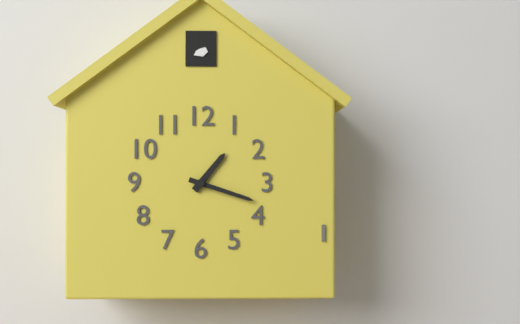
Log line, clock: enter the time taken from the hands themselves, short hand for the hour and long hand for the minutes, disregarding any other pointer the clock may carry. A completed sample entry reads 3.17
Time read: 1.18
